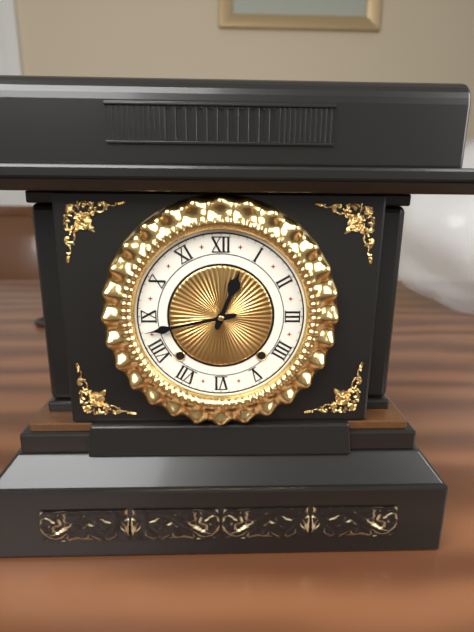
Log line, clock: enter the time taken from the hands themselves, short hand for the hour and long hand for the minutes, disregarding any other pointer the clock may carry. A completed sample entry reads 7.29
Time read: 12.43
